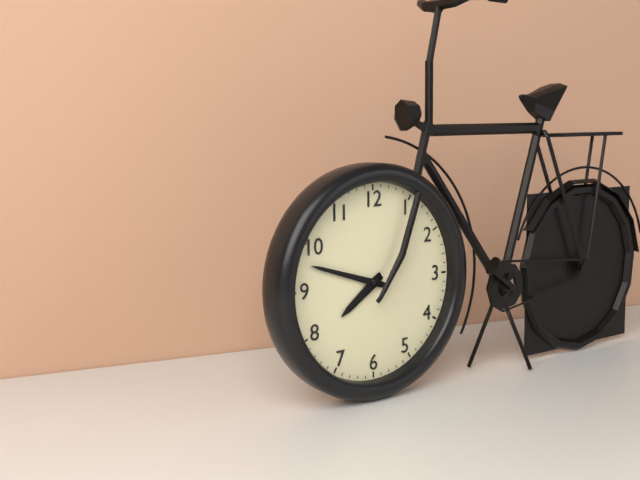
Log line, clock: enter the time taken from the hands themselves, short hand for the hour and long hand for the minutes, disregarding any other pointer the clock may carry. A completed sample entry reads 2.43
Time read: 7.48
